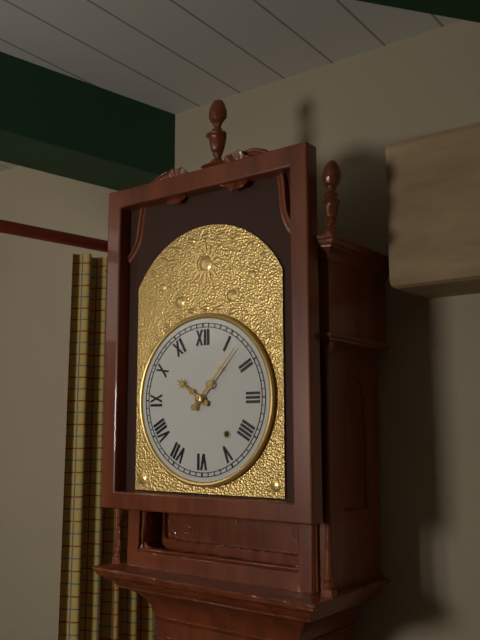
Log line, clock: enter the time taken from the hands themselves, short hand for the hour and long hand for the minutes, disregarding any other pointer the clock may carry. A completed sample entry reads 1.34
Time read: 10.07
